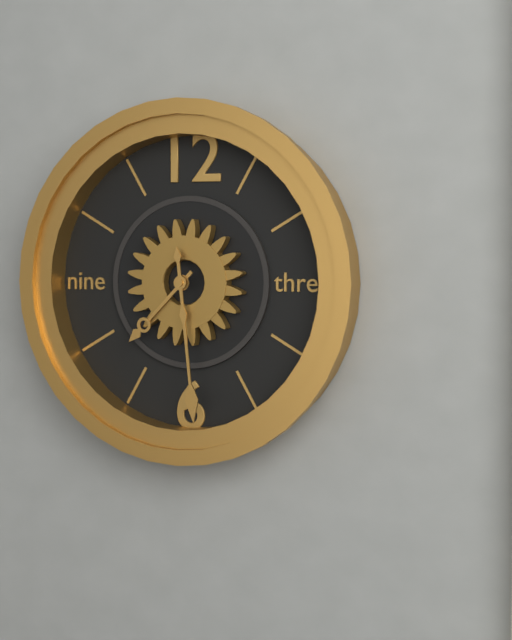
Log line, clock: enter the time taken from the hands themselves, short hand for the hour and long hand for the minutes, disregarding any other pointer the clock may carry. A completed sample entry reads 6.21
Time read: 7.29
